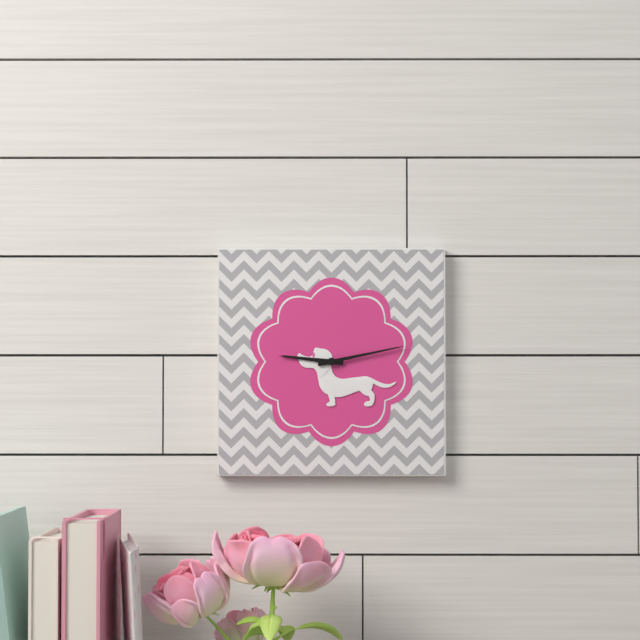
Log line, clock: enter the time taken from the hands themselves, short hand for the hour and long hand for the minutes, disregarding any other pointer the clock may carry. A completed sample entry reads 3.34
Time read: 9.13
